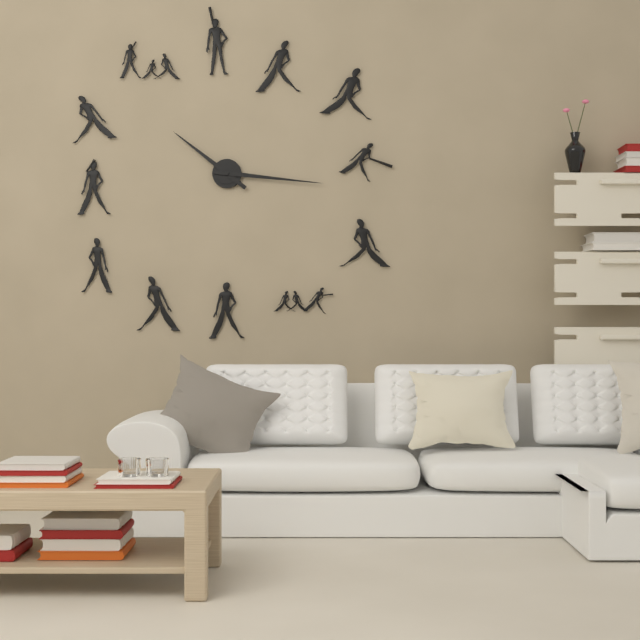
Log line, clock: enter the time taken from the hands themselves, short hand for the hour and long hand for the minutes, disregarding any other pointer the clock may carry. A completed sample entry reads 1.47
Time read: 10.16
